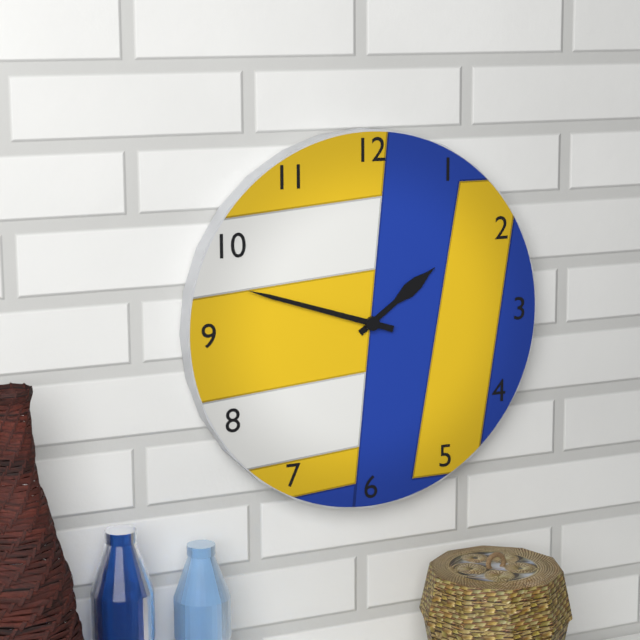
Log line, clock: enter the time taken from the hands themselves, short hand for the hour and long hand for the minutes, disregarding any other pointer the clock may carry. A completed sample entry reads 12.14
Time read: 1.48
